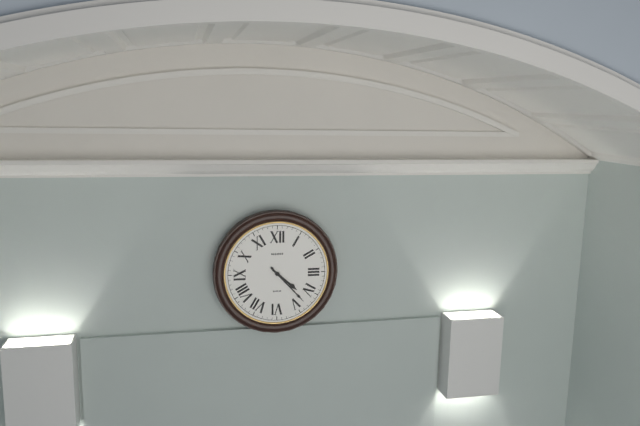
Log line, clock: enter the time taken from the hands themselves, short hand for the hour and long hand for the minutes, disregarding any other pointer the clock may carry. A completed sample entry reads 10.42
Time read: 4.23
